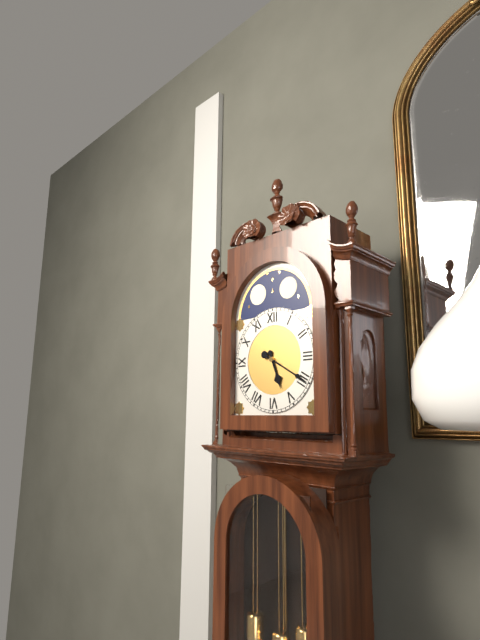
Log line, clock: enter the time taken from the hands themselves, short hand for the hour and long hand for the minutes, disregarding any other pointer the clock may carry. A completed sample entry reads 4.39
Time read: 5.20
